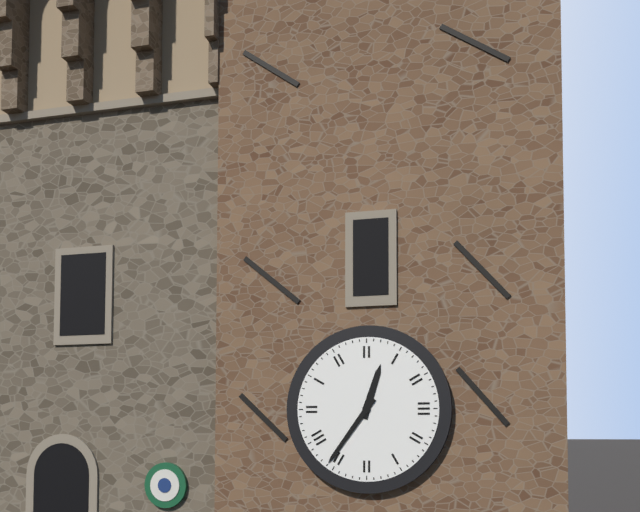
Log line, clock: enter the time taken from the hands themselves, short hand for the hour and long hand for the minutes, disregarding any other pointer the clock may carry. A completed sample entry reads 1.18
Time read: 12.36
